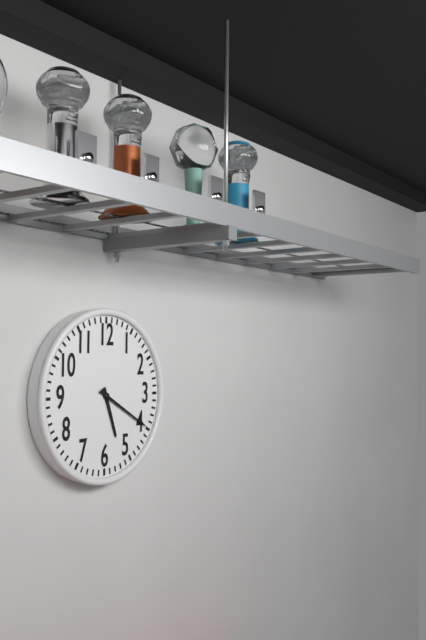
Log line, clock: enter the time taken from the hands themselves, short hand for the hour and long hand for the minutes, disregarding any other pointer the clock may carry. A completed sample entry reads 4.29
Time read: 5.20
